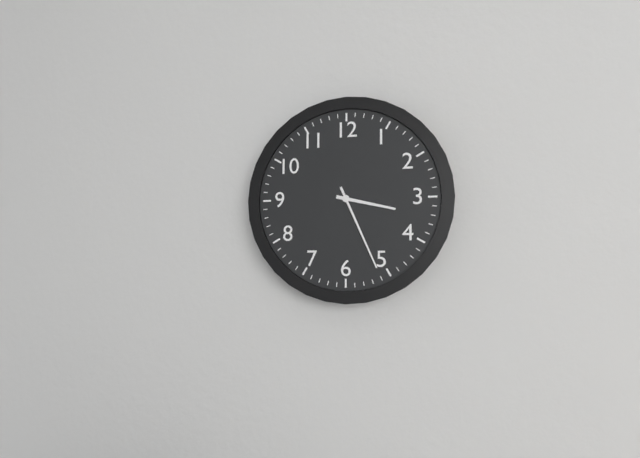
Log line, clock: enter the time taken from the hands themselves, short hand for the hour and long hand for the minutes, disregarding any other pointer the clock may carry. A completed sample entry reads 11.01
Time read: 3.26
